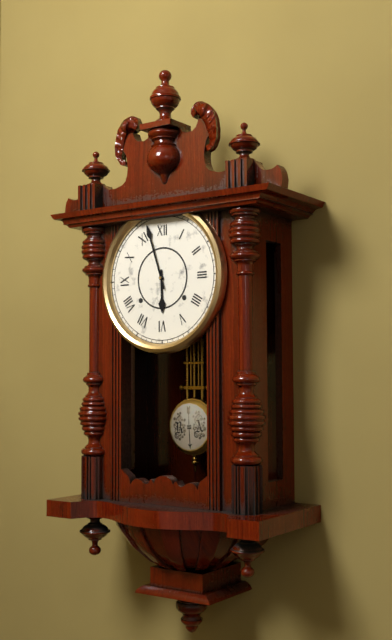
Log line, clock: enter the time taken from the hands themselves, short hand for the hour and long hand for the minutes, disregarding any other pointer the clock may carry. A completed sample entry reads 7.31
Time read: 5.57
